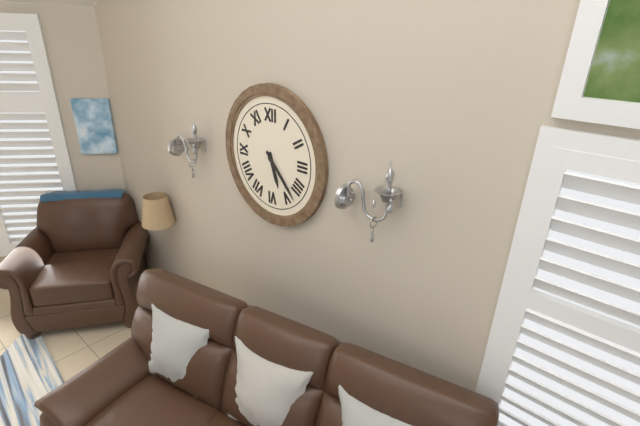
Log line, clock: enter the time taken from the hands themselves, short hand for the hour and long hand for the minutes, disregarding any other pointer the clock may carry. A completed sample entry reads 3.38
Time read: 5.23
